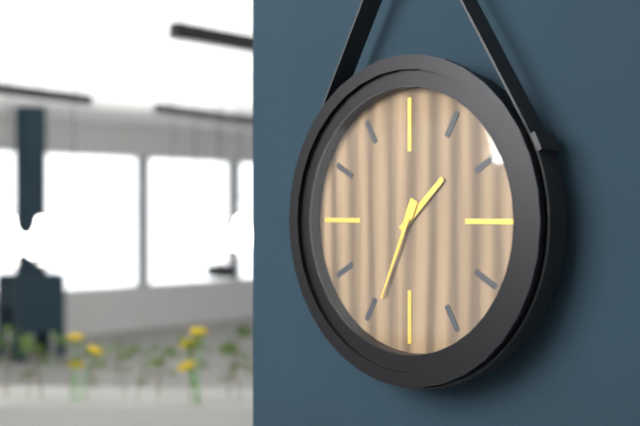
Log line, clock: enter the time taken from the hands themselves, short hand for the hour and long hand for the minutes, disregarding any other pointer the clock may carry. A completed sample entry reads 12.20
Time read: 1.34
